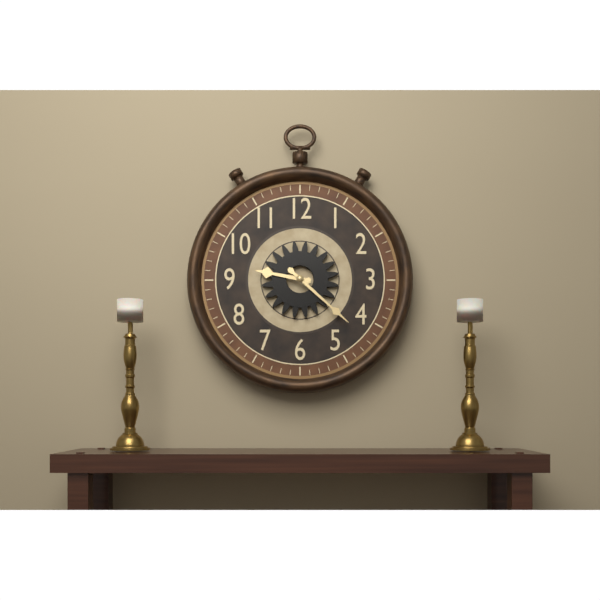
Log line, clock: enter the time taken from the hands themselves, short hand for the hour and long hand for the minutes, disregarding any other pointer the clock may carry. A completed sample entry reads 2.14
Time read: 9.22
